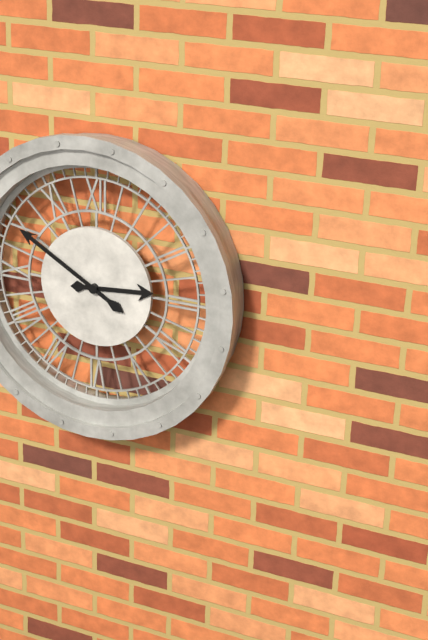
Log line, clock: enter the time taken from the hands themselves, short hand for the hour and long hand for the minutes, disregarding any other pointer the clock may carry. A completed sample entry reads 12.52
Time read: 2.50
